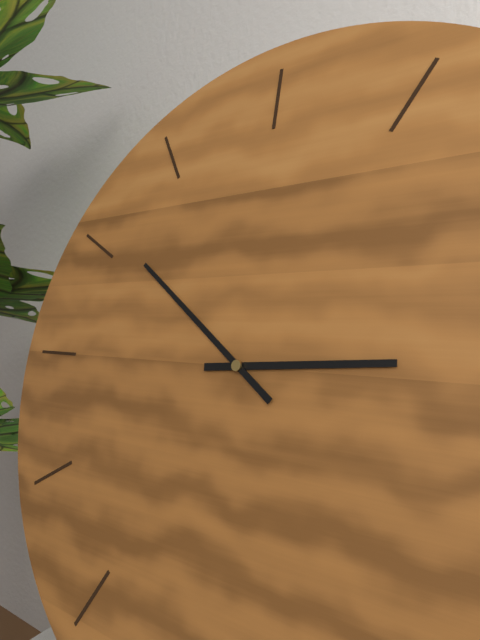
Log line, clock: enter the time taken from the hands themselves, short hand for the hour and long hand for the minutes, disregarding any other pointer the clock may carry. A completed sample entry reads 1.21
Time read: 2.51
